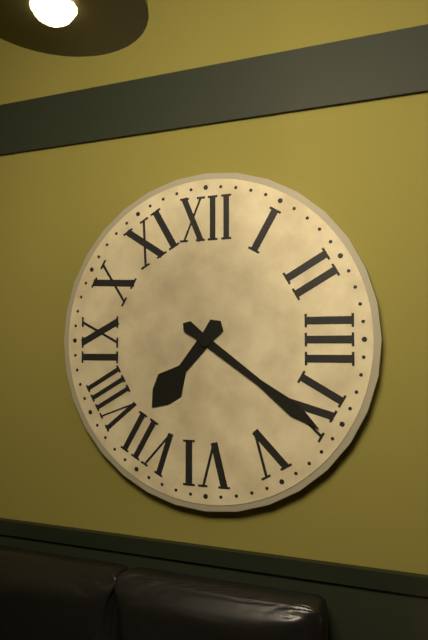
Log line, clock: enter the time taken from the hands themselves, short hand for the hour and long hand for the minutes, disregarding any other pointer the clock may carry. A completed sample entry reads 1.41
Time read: 7.21
